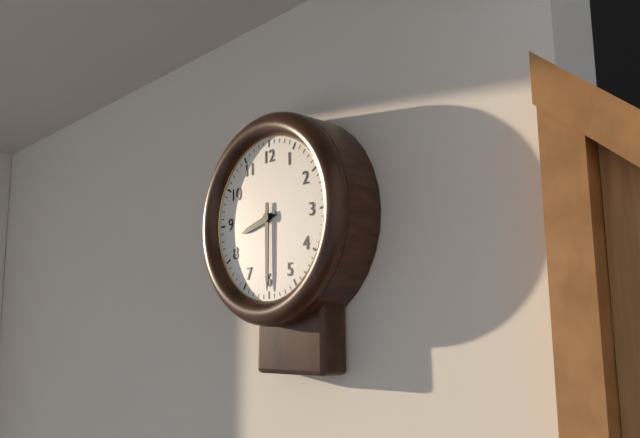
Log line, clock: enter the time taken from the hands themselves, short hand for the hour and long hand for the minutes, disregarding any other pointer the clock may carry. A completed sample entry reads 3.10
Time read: 8.30
